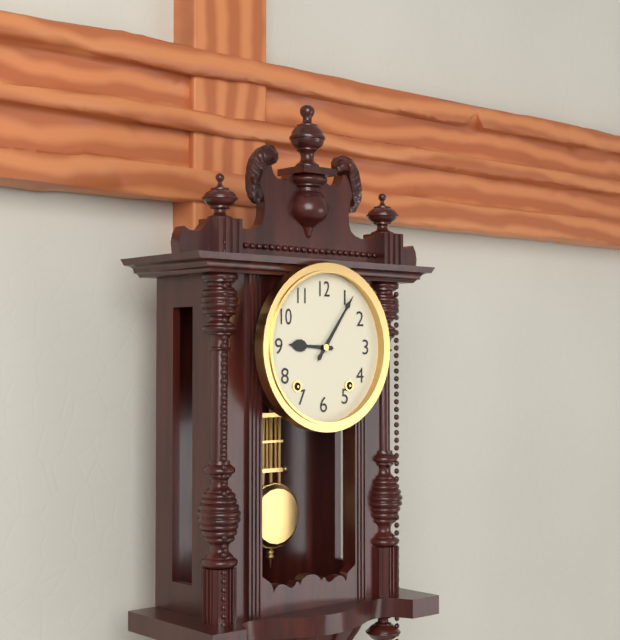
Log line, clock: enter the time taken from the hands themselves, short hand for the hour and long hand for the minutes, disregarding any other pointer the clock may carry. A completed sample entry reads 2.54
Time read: 9.06
